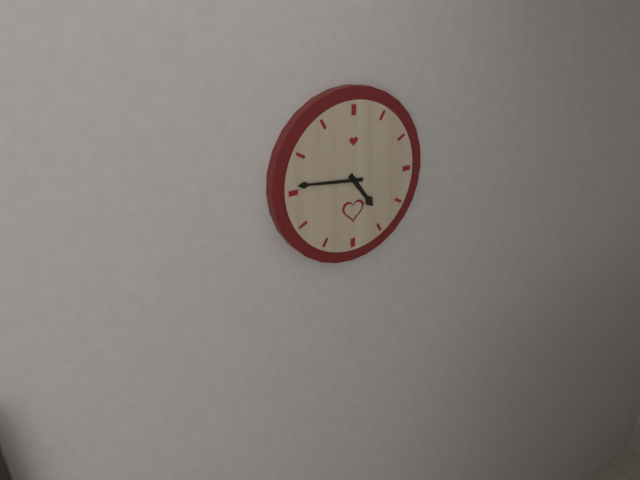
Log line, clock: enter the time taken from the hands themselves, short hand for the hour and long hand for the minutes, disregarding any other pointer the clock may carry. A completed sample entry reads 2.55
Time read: 4.46
